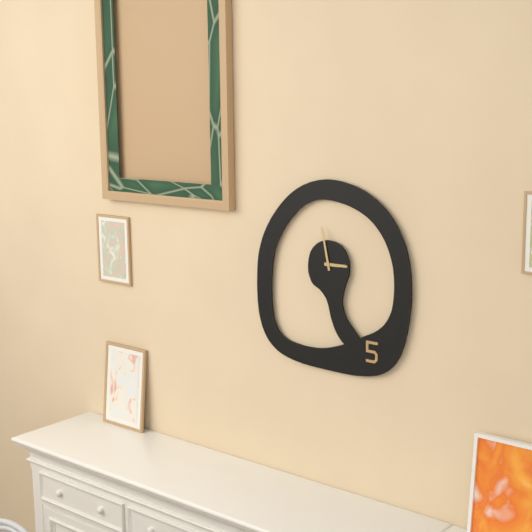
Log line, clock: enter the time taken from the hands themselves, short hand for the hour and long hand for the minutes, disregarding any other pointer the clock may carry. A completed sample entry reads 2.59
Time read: 2.58
